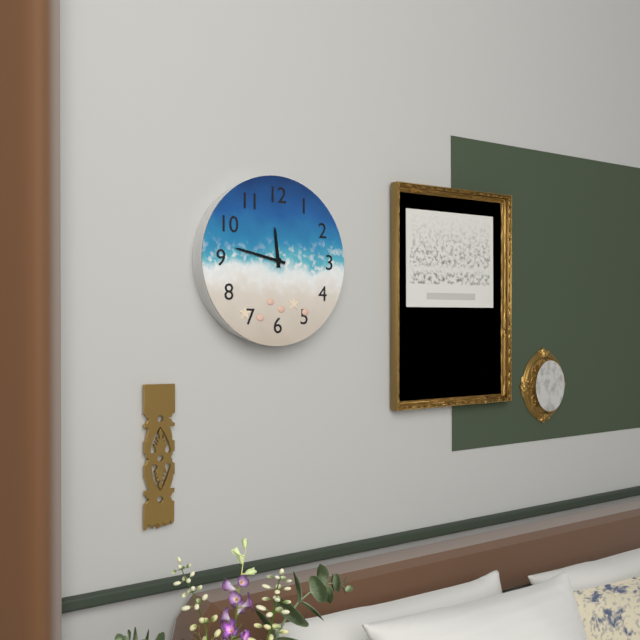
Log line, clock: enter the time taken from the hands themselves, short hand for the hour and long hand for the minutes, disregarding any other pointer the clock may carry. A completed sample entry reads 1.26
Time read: 11.47
